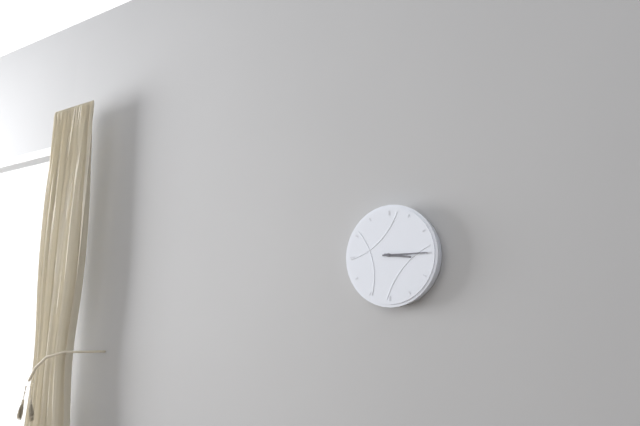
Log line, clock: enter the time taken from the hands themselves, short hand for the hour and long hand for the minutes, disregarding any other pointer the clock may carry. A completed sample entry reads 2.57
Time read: 3.15
